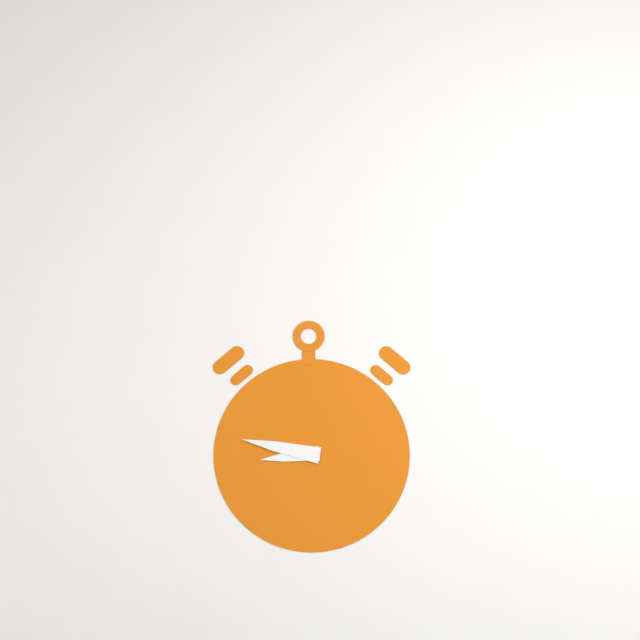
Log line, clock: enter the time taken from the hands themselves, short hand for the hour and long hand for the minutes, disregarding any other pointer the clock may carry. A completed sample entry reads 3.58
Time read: 8.47
